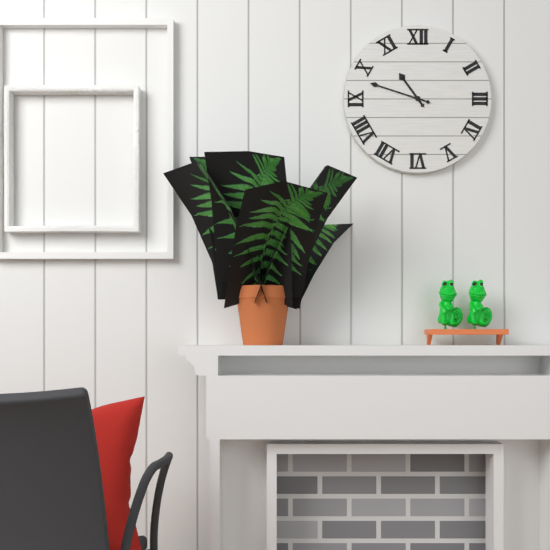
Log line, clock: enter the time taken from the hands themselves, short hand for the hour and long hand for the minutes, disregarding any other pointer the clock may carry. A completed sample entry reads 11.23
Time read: 10.48
